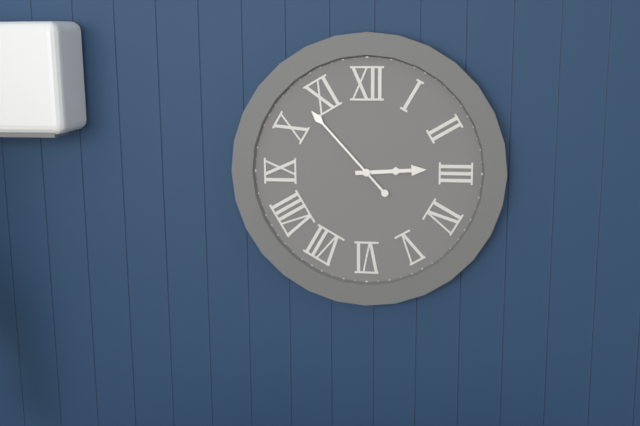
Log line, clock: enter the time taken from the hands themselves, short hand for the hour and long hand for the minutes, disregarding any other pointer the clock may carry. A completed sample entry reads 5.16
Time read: 2.53
